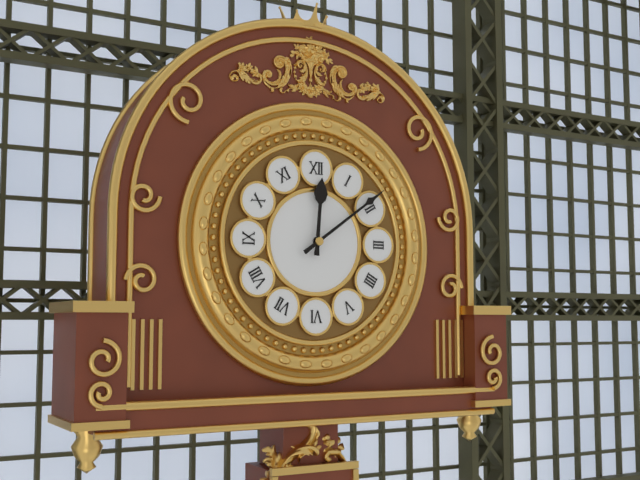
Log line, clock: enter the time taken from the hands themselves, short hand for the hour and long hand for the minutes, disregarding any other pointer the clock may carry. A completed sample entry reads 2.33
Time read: 12.09
